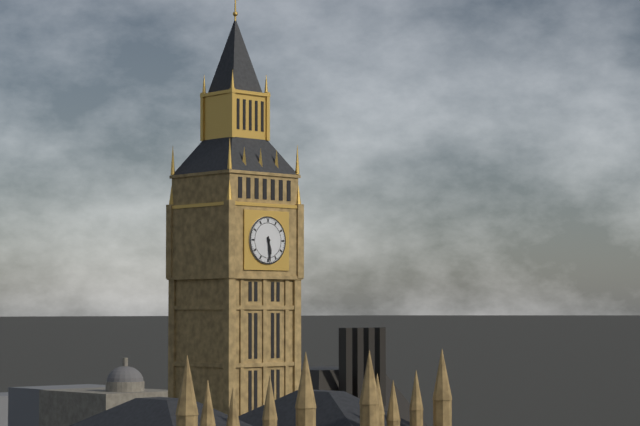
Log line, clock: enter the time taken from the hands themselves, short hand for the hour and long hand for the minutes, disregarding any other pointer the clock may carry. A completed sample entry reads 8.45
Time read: 5.29
